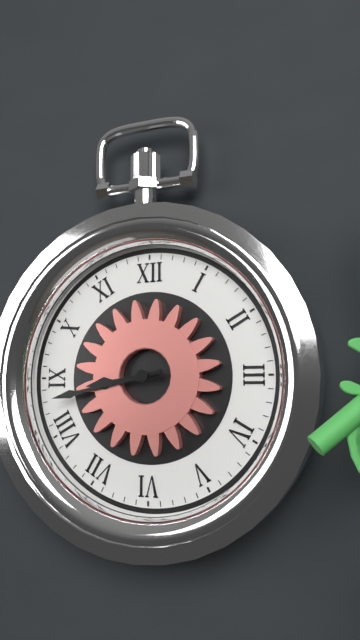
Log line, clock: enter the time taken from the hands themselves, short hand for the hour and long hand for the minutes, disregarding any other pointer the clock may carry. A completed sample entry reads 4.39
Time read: 8.43
